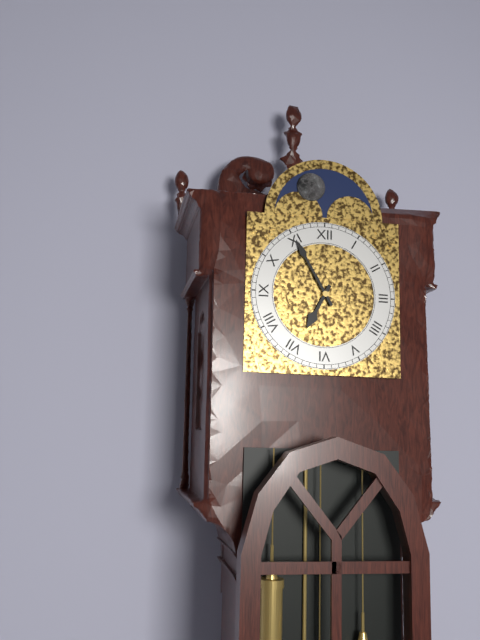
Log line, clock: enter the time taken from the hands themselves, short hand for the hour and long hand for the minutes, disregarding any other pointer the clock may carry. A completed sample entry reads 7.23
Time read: 6.55
